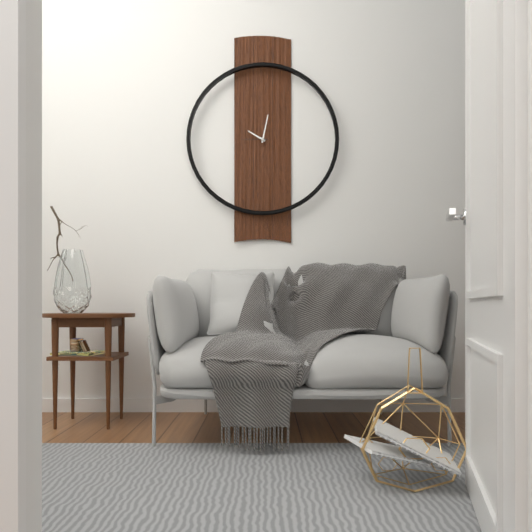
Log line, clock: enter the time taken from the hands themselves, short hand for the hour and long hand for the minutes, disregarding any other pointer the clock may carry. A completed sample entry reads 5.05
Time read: 10.02
